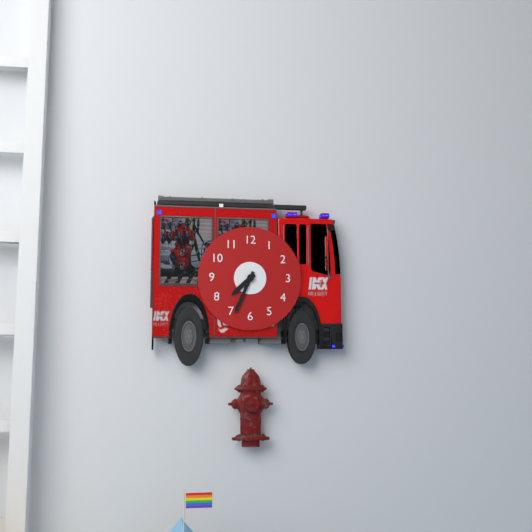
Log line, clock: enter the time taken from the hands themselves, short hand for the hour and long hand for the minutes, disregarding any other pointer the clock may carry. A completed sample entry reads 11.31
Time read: 7.34
